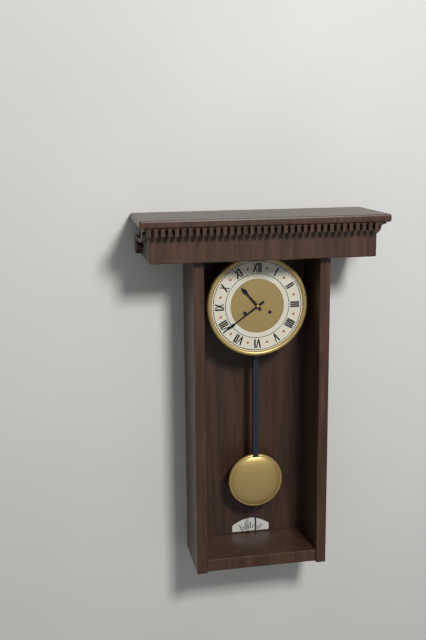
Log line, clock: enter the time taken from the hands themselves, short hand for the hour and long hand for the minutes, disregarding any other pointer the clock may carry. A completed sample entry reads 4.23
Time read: 10.39
